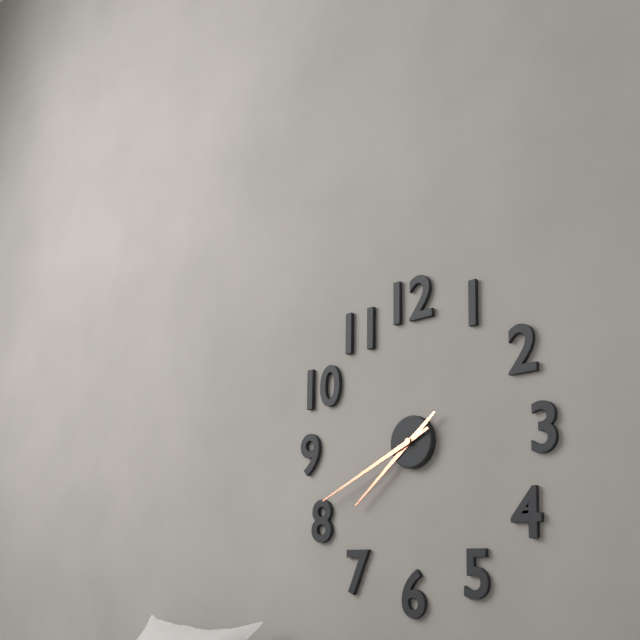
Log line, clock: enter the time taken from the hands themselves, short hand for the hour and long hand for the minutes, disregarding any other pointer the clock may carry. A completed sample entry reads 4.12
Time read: 7.41
